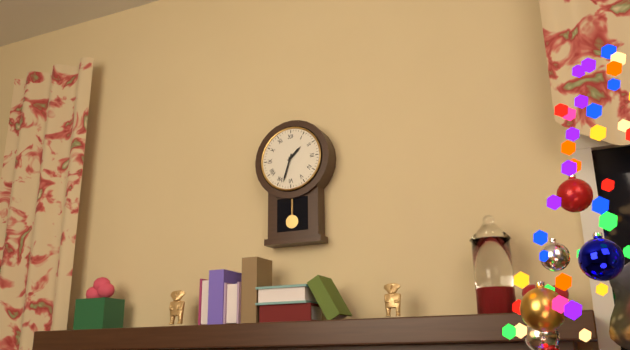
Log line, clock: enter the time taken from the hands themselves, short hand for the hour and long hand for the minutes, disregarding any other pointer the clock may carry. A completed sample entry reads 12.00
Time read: 1.33
